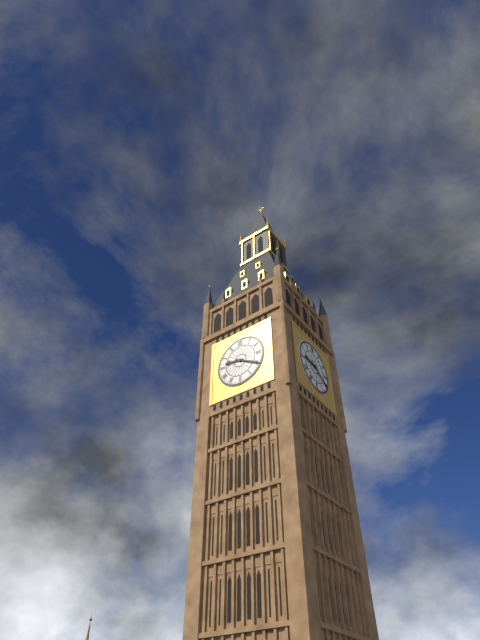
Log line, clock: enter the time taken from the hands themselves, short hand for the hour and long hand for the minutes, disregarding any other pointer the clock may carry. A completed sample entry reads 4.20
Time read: 9.20
